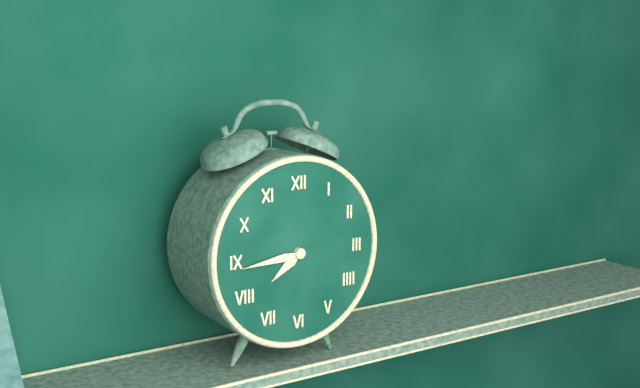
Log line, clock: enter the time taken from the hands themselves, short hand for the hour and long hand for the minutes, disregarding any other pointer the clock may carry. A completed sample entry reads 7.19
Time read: 7.44
